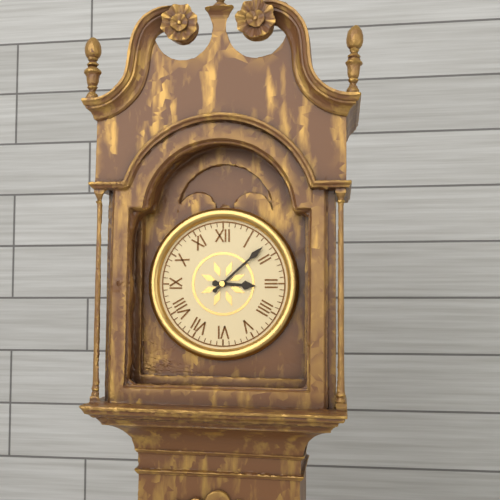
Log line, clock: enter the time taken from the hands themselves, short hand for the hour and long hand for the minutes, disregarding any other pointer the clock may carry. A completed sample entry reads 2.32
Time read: 3.08
